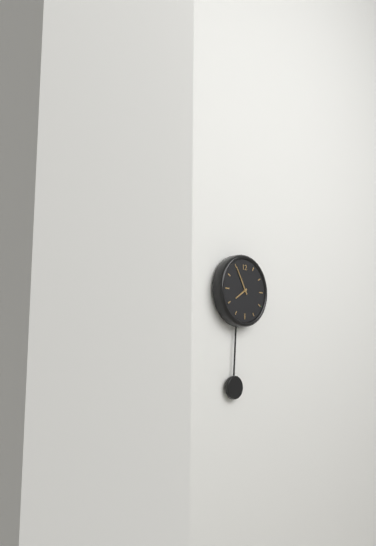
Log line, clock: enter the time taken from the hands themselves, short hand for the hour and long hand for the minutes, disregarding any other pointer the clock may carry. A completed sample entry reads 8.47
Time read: 7.55
